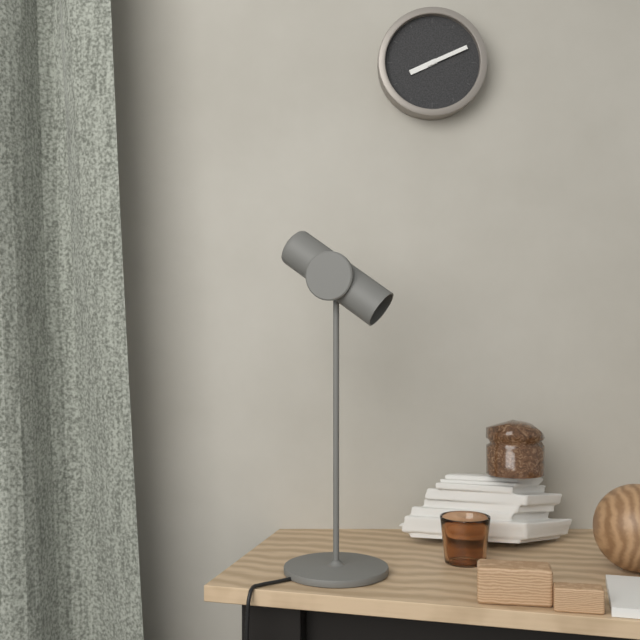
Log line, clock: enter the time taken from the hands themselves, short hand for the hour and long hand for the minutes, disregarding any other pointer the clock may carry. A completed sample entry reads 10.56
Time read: 8.11
